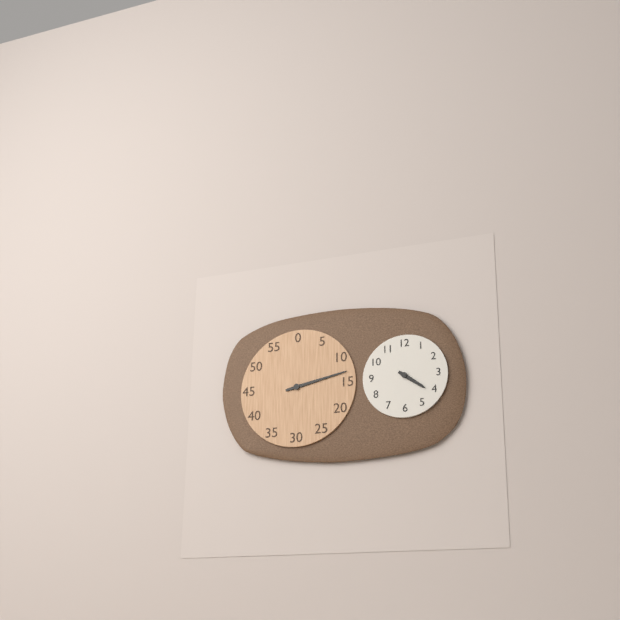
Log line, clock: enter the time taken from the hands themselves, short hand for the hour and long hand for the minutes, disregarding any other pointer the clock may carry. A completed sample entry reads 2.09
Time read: 4.13
